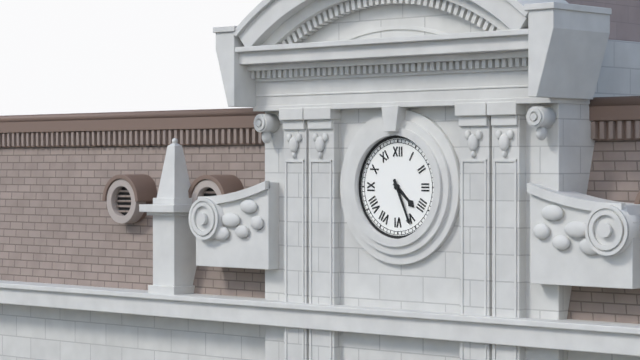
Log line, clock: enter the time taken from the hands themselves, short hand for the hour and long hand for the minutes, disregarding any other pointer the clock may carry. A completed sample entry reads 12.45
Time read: 4.26
